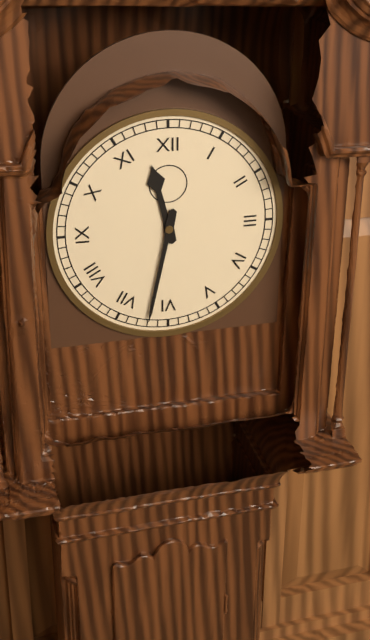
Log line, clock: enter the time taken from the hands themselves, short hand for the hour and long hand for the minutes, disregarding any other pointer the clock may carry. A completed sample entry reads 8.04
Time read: 11.32
